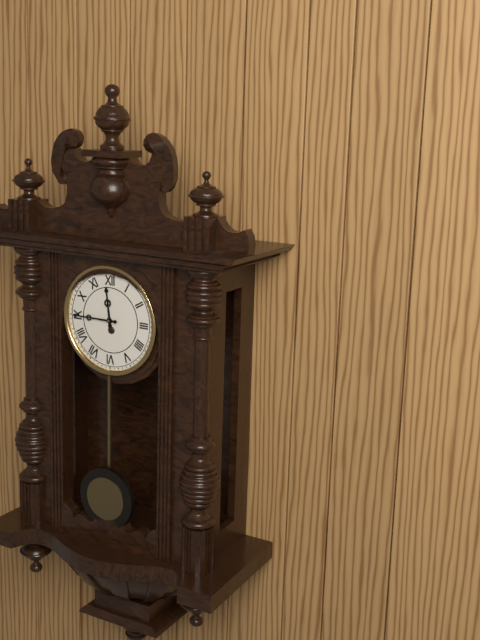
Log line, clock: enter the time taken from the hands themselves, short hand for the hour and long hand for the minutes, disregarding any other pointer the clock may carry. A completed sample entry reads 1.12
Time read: 11.45
